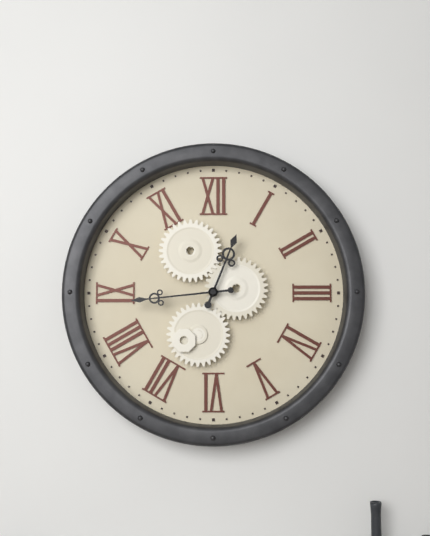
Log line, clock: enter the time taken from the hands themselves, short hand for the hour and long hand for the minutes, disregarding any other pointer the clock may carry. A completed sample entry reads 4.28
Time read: 12.44
